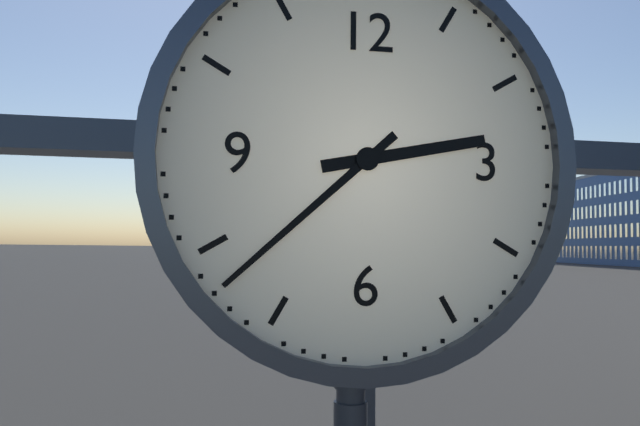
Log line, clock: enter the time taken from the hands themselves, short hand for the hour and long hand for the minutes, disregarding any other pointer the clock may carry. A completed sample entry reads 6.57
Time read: 2.38
